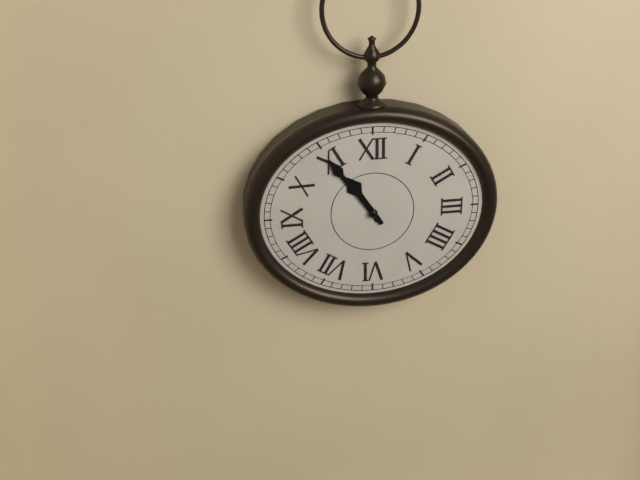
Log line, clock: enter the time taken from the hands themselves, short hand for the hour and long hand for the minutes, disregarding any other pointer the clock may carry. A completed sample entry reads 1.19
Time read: 10.54
